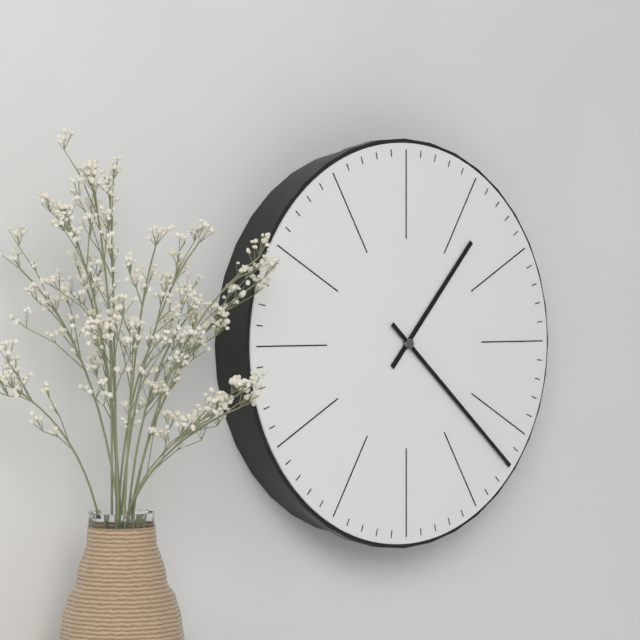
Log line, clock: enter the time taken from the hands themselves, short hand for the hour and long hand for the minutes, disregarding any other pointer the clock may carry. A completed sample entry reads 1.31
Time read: 1.22
